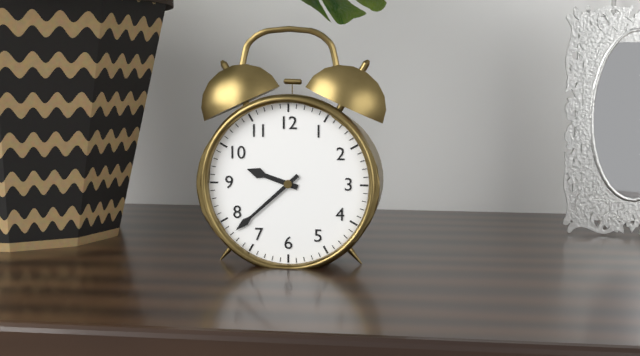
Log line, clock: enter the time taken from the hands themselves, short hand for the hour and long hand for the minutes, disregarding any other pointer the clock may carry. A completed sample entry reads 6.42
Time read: 9.38
